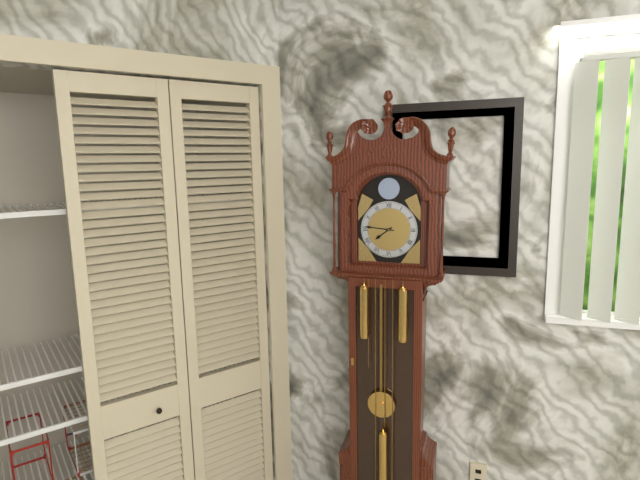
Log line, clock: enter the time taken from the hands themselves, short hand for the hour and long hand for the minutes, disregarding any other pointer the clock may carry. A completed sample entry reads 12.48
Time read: 7.46
